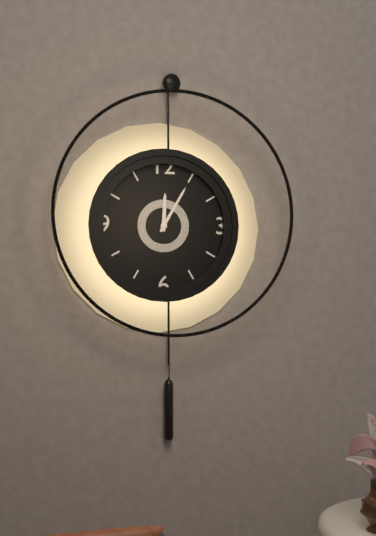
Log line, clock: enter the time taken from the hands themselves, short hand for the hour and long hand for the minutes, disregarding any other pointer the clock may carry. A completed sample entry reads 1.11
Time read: 12.05
